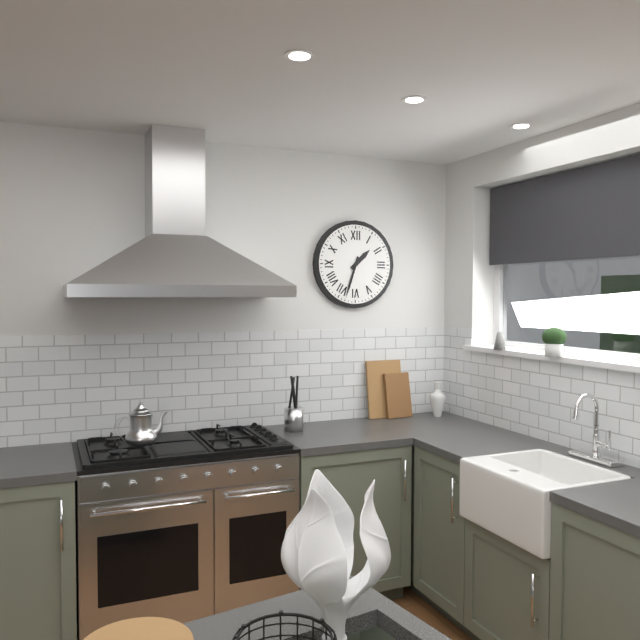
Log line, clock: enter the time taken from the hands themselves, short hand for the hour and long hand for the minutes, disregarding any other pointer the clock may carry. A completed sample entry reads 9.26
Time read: 1.33
